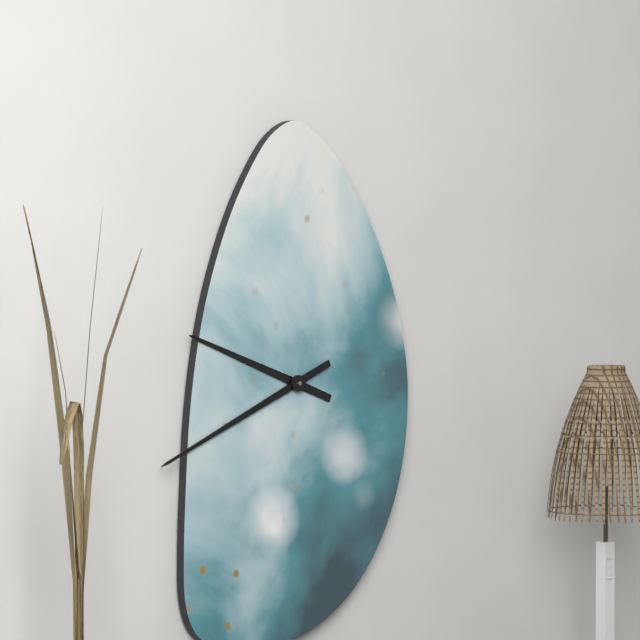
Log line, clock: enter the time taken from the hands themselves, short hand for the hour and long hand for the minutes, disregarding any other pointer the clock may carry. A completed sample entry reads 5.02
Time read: 9.41
